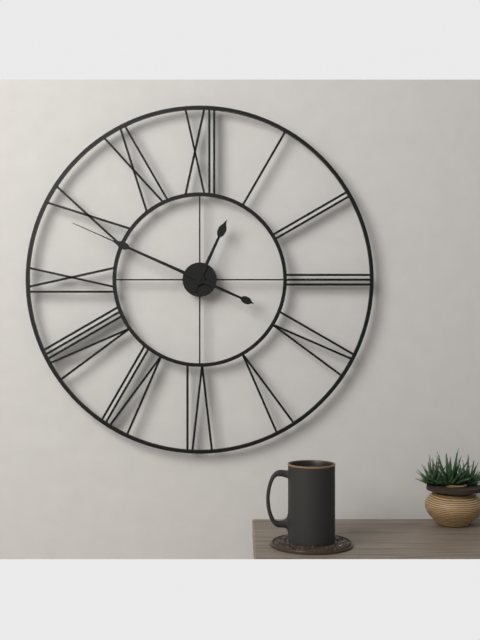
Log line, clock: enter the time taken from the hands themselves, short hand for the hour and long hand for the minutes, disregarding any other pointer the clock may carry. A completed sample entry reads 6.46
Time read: 12.49
